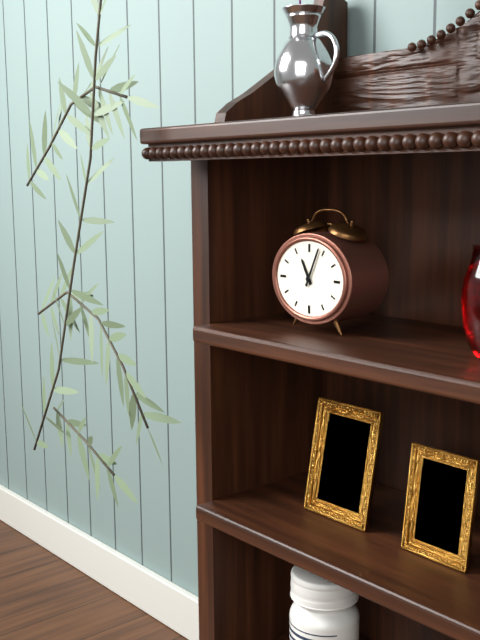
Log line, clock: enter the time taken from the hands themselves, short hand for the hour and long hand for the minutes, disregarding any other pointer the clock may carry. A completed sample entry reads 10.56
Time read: 11.04
